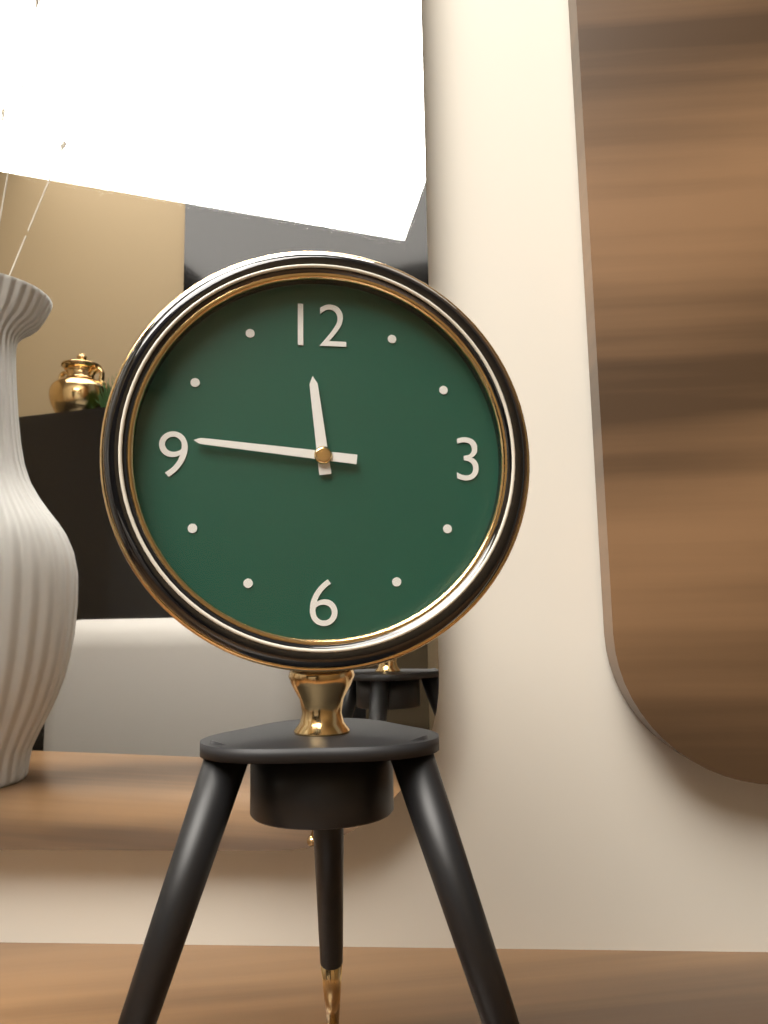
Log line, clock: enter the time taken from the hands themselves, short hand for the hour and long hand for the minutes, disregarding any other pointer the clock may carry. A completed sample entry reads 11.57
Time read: 11.46
